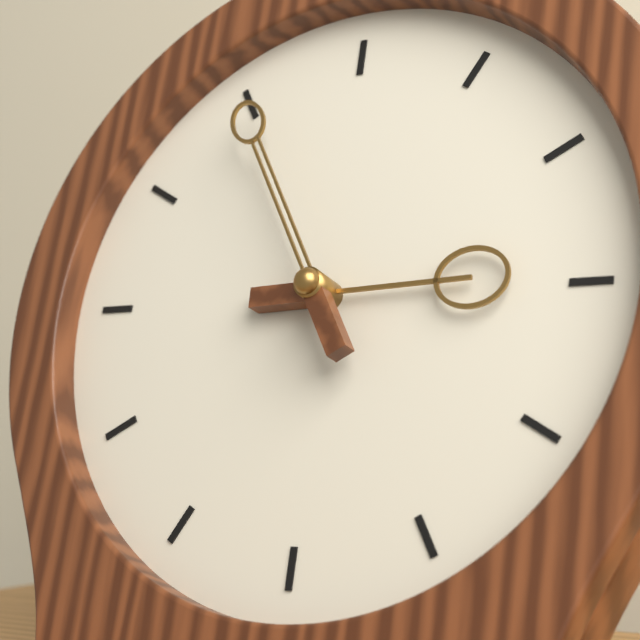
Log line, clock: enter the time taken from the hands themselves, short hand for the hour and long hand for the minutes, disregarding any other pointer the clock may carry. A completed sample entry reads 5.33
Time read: 2.55
